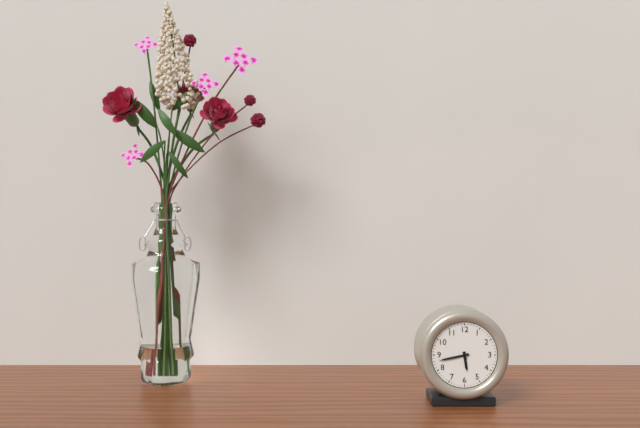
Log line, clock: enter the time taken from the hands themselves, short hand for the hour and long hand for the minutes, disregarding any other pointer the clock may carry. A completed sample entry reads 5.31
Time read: 5.43
